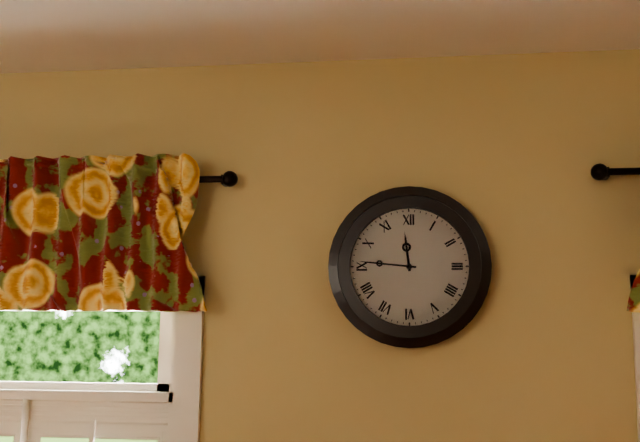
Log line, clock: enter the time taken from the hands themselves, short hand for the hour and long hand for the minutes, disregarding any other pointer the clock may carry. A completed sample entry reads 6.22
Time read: 11.46
